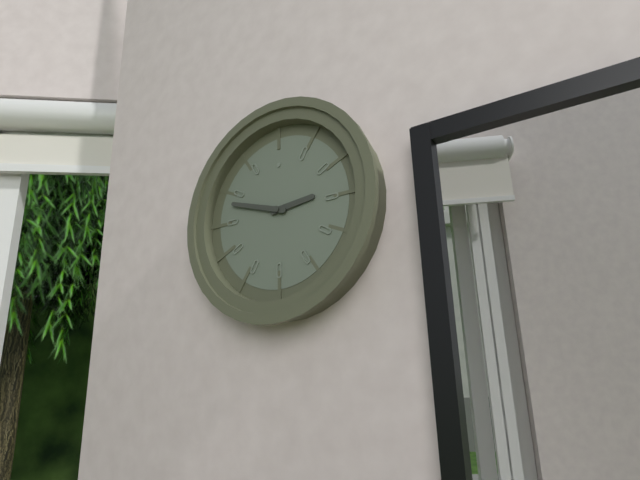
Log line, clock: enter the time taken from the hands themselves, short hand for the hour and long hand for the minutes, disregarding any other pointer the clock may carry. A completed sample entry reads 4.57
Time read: 2.48
